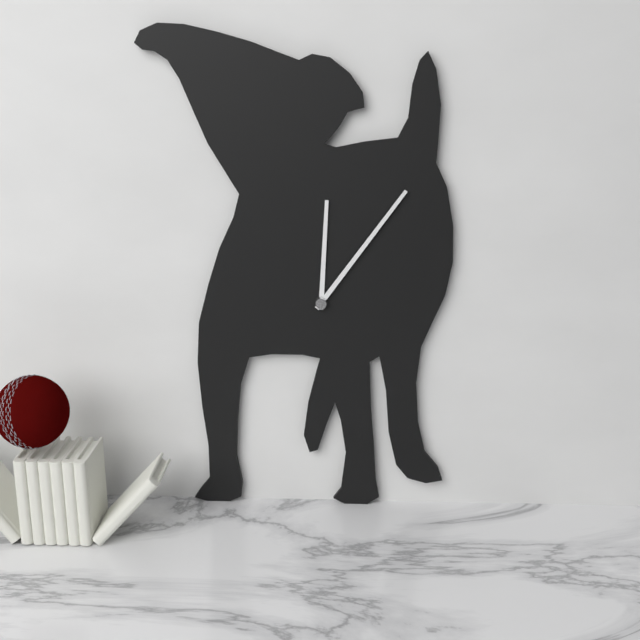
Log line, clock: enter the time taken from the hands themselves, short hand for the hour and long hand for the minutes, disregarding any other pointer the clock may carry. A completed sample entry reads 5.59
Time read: 12.06
